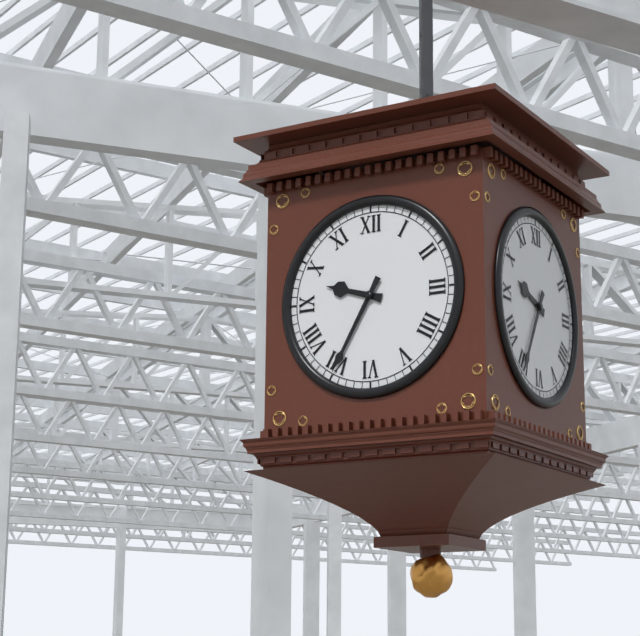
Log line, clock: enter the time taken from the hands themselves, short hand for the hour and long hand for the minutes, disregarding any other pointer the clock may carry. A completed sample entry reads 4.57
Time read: 9.35
